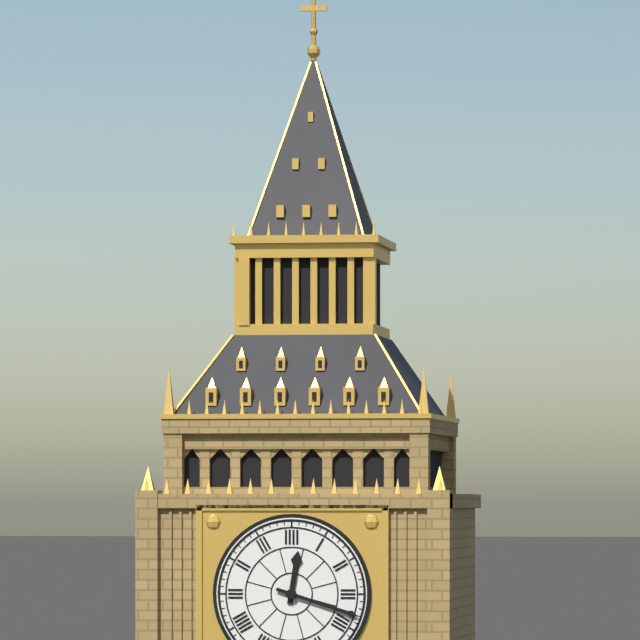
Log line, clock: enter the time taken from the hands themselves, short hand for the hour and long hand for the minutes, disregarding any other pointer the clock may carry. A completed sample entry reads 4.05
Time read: 12.18
